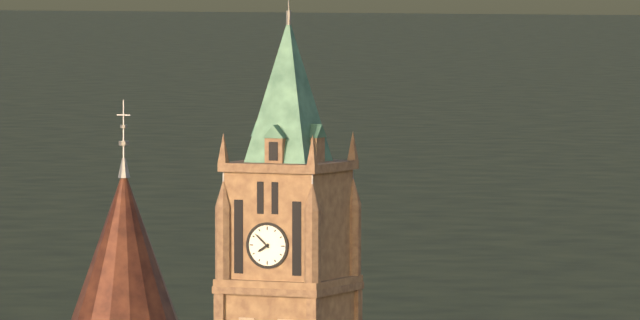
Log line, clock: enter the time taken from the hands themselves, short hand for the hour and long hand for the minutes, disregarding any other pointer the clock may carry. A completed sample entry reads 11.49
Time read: 7.52
